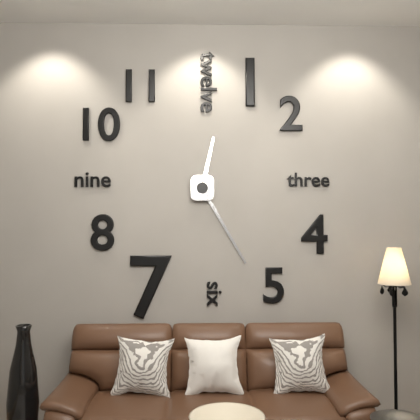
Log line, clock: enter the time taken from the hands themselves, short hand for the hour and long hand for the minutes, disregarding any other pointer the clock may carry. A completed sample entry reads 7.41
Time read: 12.25
